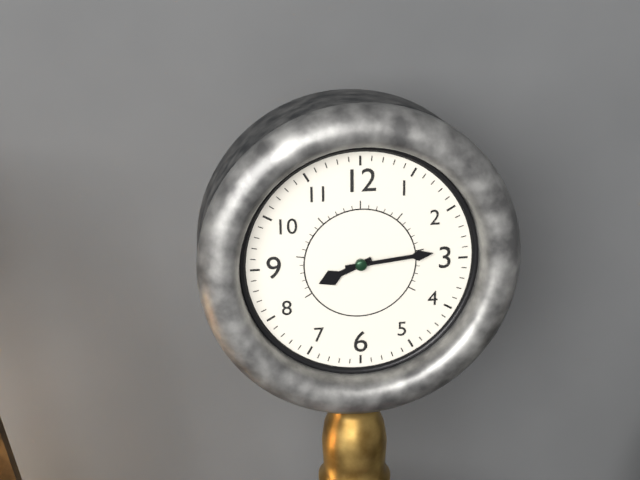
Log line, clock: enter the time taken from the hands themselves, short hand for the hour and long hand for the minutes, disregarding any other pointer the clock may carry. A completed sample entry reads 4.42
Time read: 8.14
